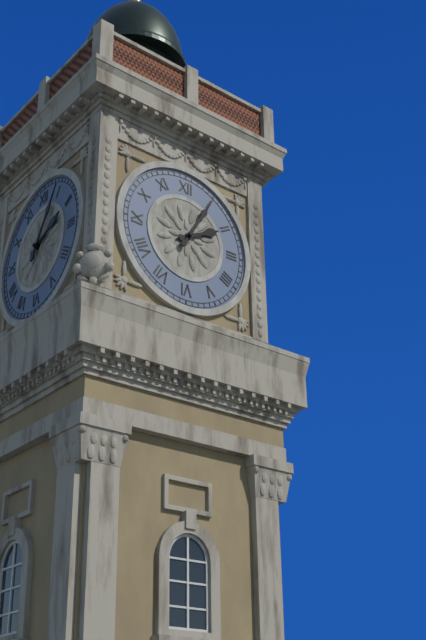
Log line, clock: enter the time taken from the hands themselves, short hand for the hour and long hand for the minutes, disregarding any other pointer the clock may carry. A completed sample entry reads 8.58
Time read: 2.05
